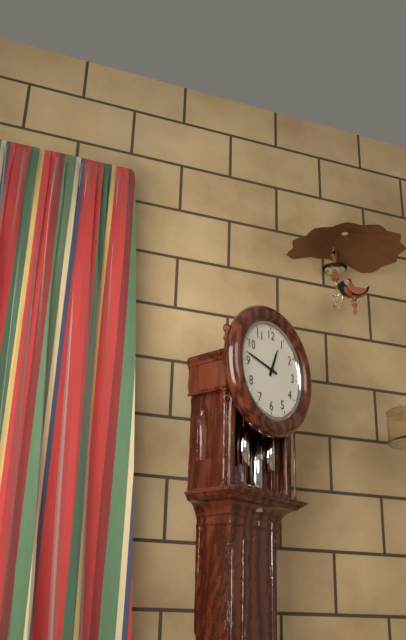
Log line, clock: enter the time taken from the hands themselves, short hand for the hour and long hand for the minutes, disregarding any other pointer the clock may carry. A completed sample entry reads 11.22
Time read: 12.47
